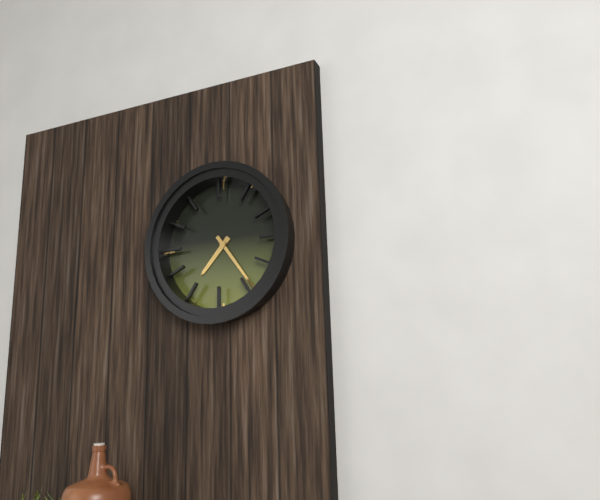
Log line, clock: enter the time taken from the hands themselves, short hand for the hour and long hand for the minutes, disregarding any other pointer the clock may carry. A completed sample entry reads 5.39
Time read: 7.24
